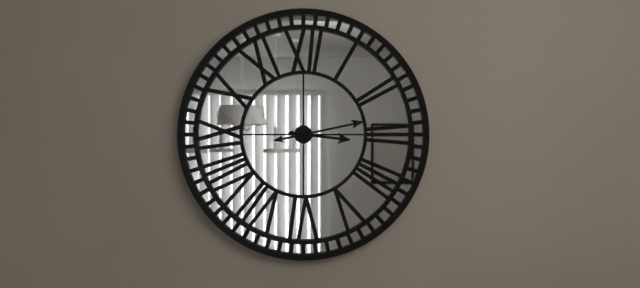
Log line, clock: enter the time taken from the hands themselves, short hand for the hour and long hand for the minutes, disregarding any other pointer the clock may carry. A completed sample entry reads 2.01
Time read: 3.13
